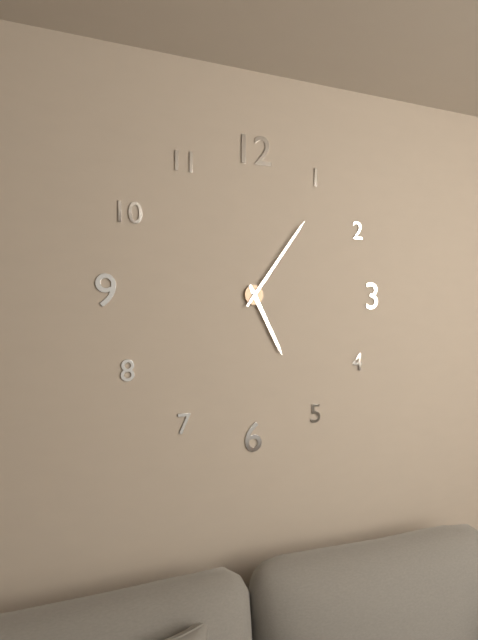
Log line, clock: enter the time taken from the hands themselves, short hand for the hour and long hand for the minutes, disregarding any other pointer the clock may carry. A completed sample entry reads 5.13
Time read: 5.06
